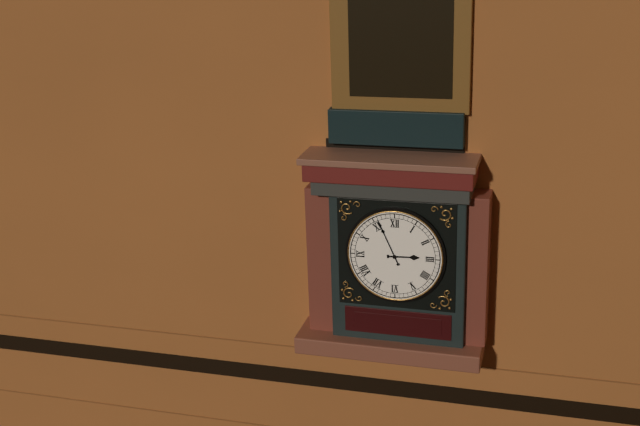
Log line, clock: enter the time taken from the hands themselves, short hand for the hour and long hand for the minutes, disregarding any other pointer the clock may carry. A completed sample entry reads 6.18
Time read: 2.56
